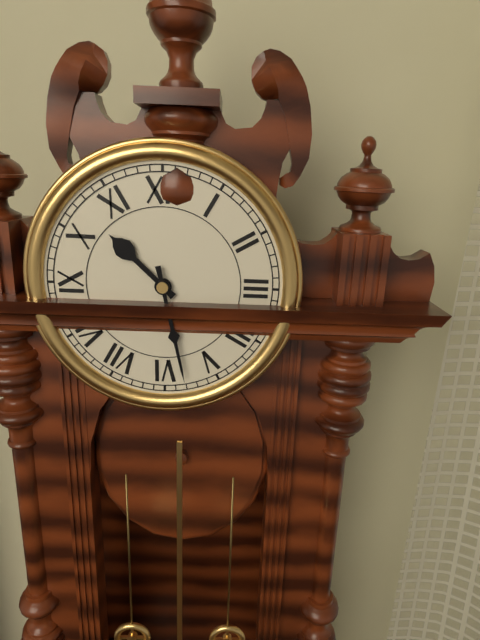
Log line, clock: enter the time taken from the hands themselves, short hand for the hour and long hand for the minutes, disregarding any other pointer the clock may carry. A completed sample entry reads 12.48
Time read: 10.28
